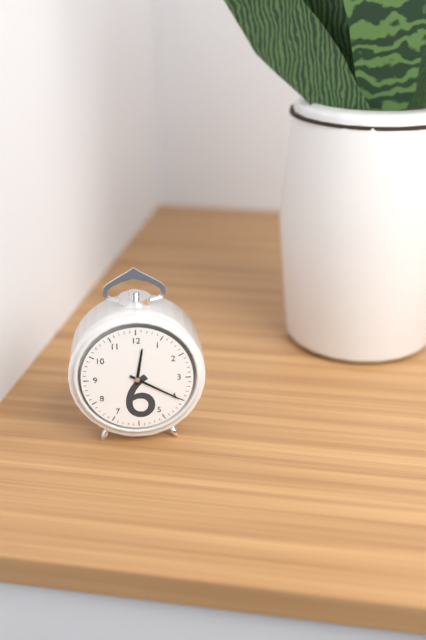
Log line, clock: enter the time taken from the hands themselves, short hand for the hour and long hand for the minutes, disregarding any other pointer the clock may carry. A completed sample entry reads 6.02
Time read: 12.20
